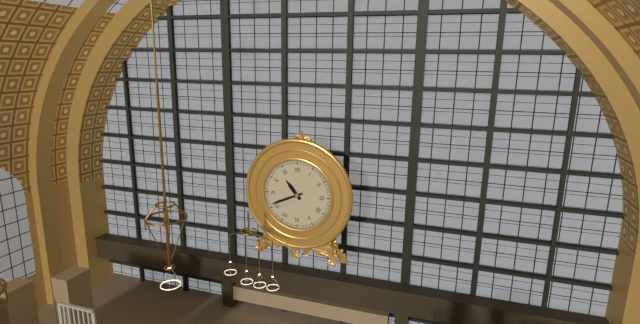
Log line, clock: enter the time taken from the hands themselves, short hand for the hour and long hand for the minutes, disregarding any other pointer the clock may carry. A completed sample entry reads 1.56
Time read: 10.41
